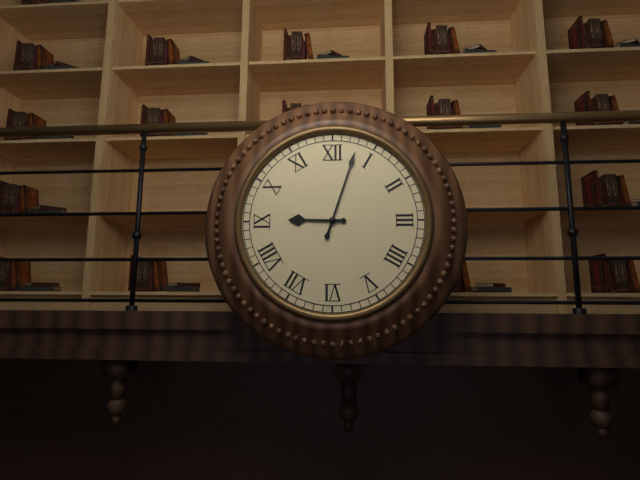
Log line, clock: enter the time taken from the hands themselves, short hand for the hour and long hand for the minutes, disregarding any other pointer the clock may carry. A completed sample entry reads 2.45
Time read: 9.03
